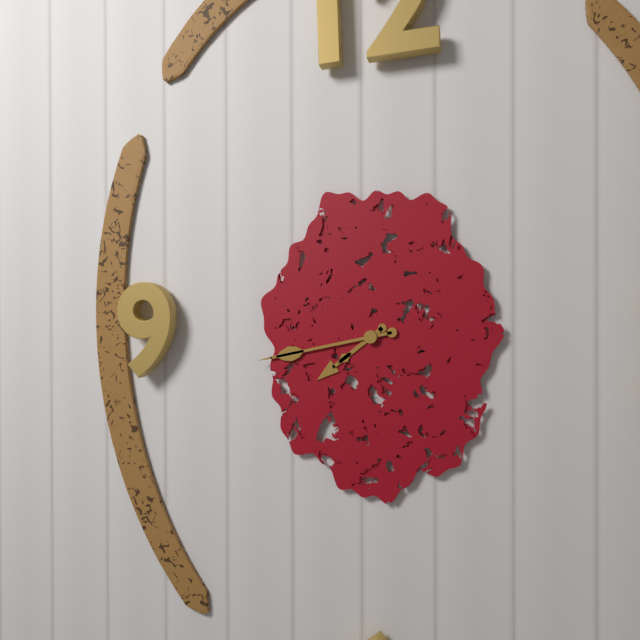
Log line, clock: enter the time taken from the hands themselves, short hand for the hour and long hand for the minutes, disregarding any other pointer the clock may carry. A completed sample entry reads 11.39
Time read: 7.43
